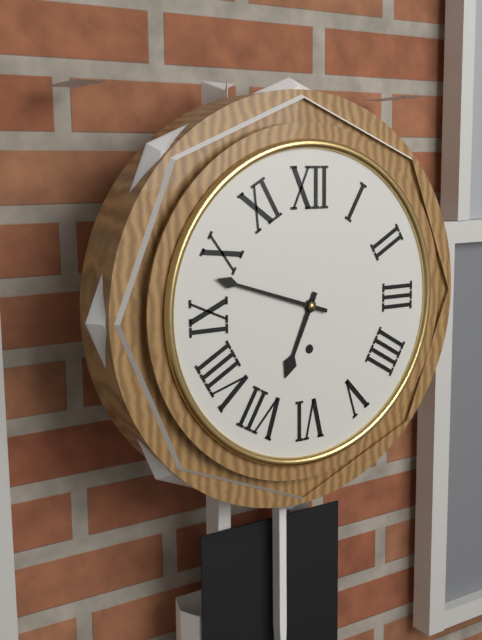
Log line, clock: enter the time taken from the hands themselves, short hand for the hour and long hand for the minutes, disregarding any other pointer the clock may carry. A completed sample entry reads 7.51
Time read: 6.48
